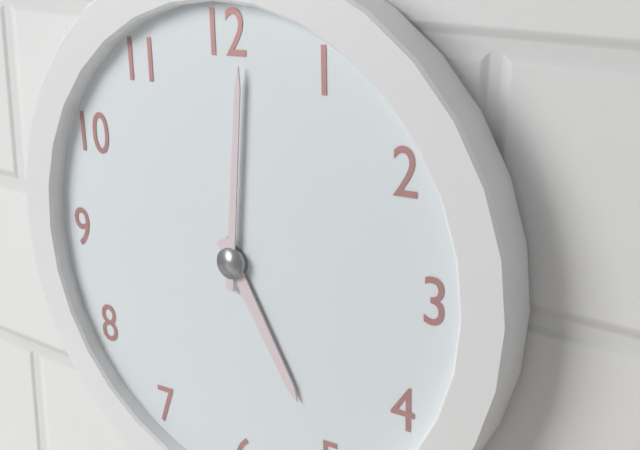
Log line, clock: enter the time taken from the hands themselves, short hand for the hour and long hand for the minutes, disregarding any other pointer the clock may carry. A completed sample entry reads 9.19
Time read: 5.01
